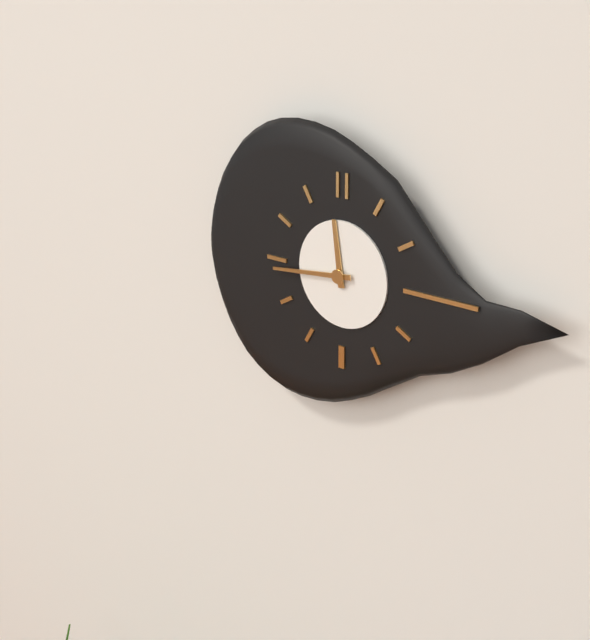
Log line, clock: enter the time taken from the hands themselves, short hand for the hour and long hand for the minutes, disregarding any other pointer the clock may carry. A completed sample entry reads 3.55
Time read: 11.44
